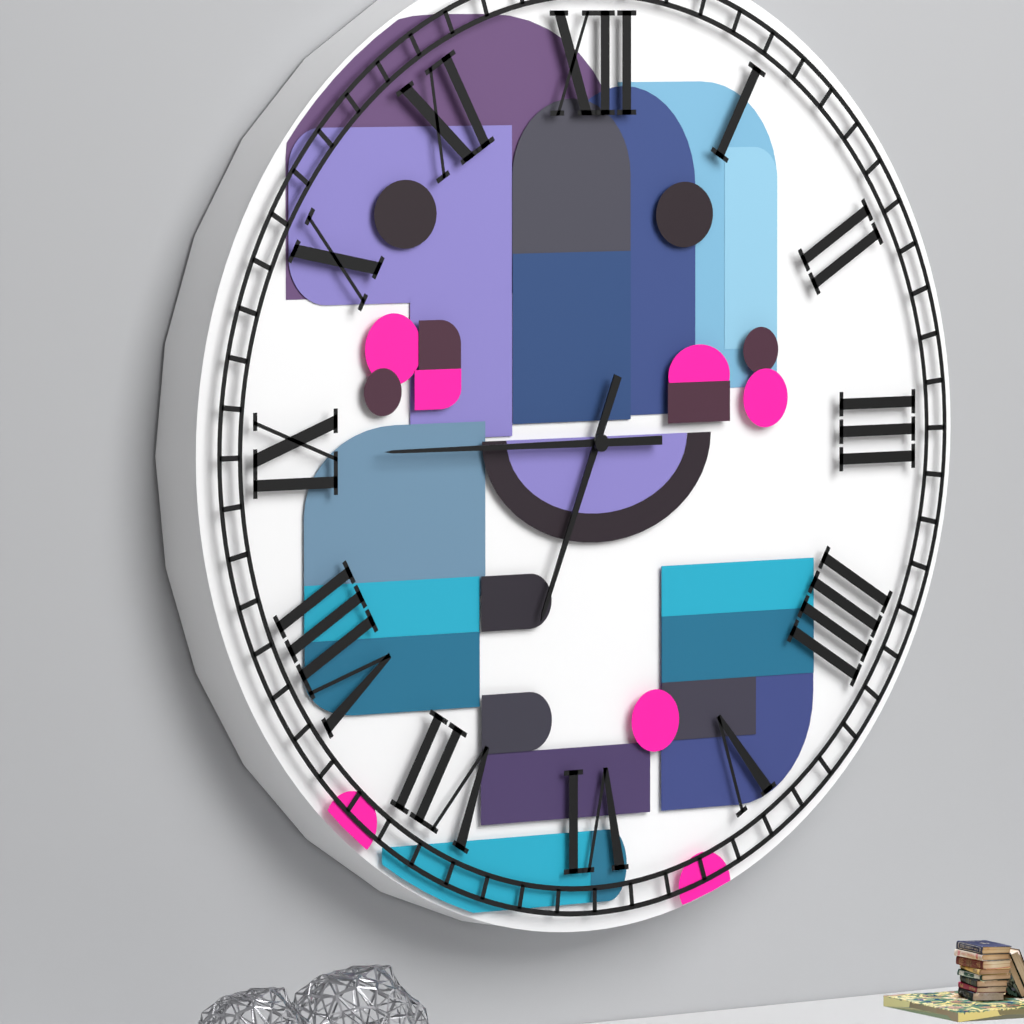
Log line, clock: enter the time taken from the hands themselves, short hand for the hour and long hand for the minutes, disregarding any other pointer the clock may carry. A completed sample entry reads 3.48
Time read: 6.45
